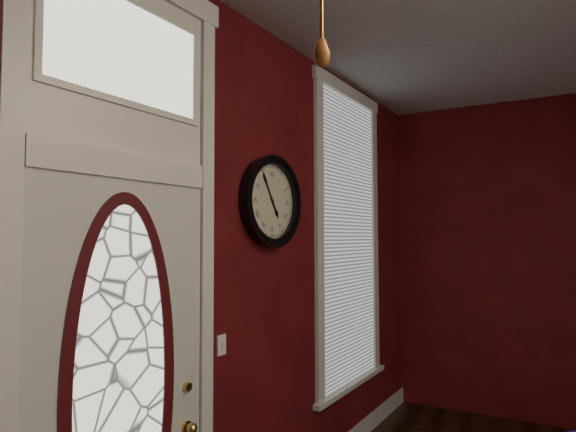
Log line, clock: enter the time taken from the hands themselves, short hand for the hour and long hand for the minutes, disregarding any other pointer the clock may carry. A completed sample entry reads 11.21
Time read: 4.55
